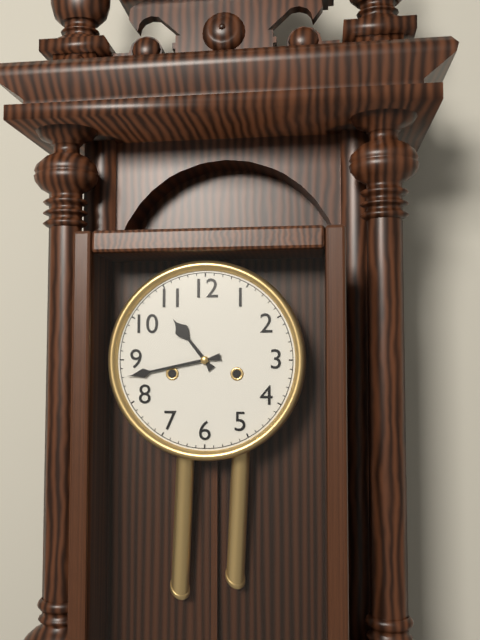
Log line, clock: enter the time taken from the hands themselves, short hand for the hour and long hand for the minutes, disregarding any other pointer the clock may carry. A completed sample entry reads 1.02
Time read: 10.43
